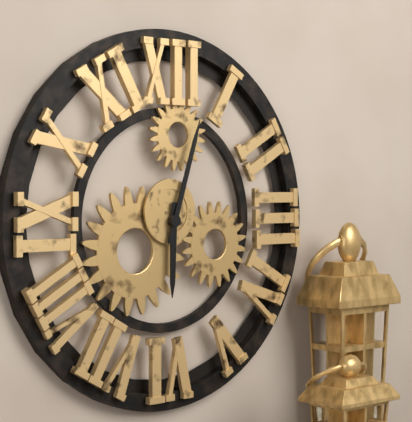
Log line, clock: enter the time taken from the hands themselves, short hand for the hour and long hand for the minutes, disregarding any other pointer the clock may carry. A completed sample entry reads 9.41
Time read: 6.03
